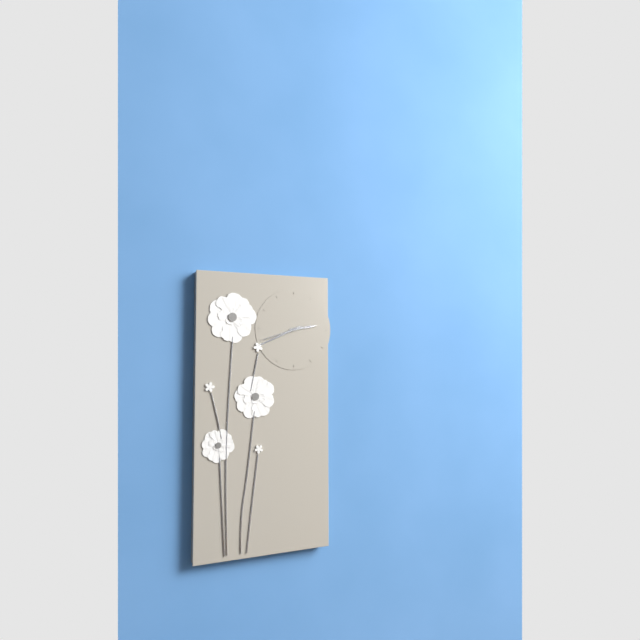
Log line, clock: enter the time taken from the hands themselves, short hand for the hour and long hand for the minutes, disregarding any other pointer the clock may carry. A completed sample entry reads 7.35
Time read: 2.41
